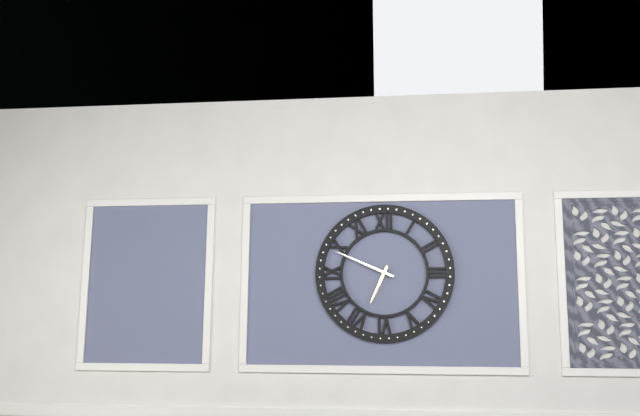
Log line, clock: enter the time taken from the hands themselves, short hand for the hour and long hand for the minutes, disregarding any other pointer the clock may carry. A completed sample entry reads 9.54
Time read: 6.49
